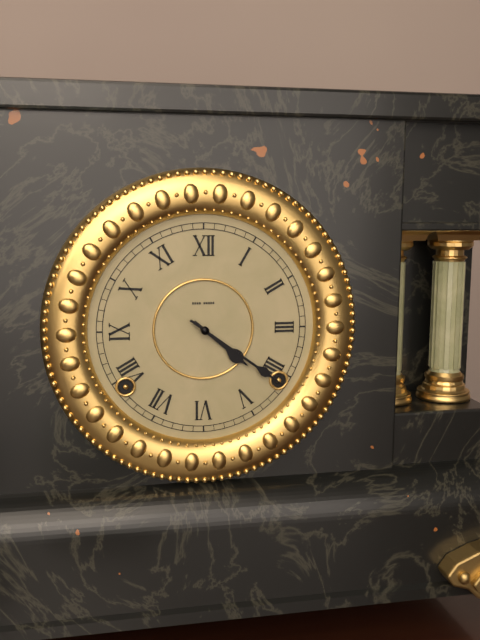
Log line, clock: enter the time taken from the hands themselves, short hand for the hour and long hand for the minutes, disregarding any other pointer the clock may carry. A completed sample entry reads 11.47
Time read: 4.21
